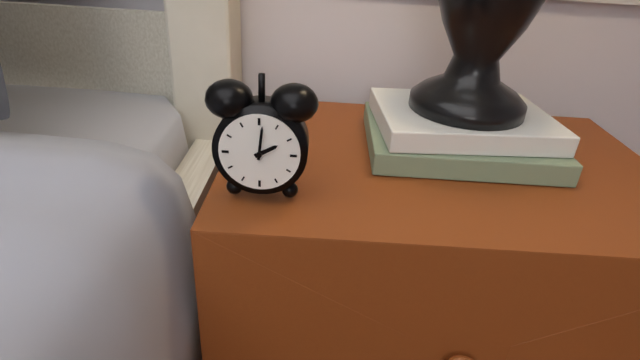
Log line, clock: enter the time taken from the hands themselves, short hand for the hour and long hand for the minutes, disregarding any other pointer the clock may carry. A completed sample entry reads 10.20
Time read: 2.01
